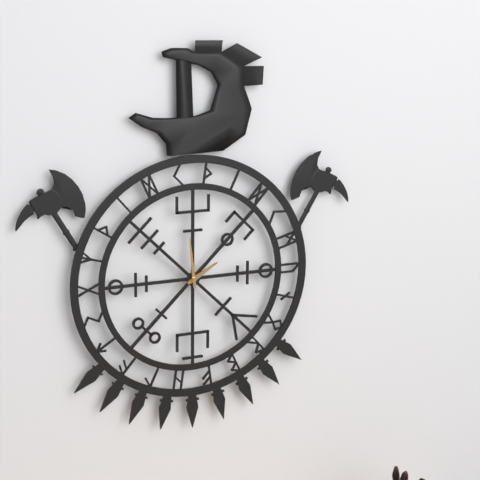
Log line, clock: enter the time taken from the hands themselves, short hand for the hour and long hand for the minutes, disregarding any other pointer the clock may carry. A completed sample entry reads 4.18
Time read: 1.59
